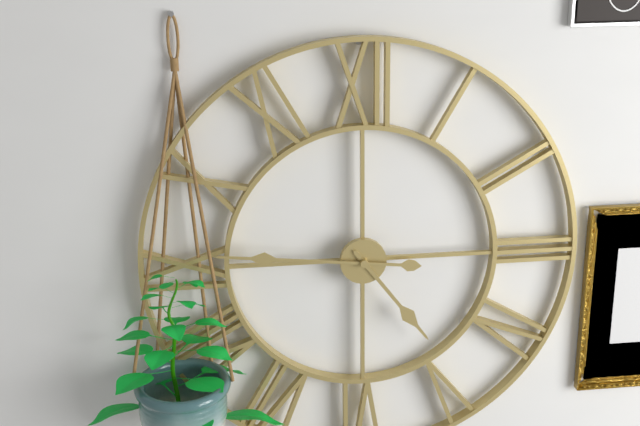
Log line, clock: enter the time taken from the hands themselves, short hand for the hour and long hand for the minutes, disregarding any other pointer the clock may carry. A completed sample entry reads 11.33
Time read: 4.46
